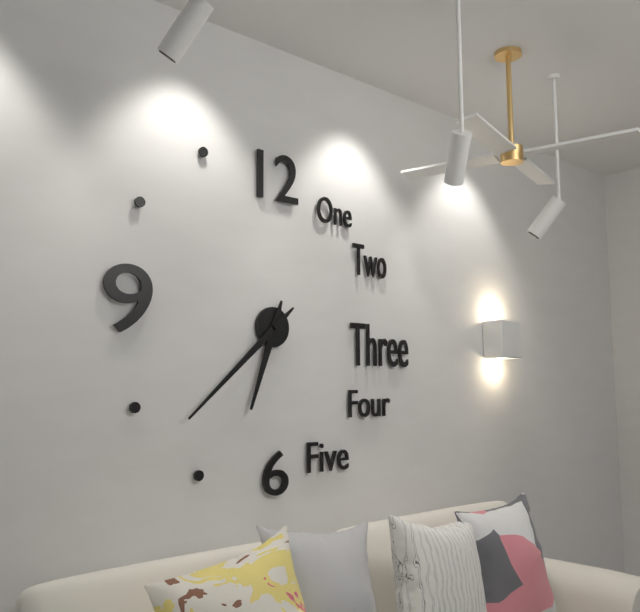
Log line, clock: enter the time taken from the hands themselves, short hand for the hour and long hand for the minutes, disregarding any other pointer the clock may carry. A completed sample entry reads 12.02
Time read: 6.38
